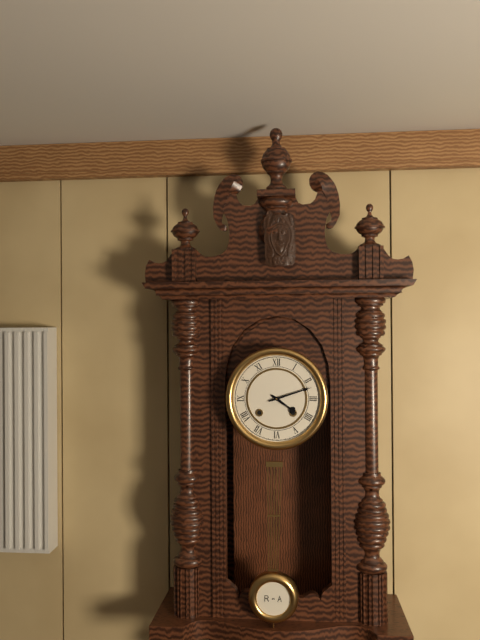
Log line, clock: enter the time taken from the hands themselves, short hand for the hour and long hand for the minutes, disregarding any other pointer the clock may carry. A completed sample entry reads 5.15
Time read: 4.12
